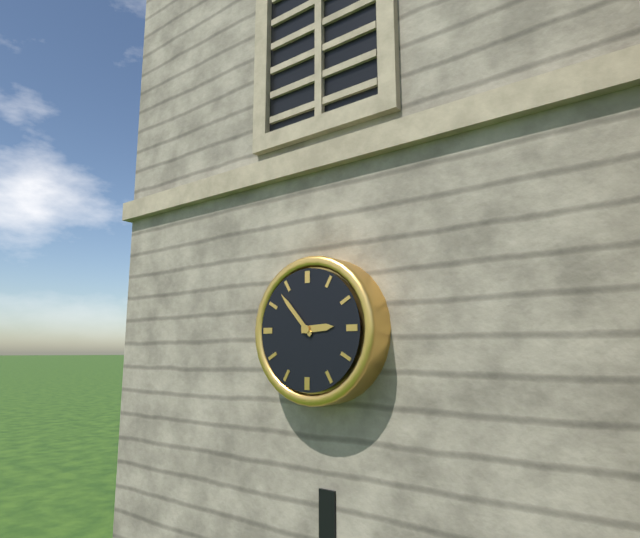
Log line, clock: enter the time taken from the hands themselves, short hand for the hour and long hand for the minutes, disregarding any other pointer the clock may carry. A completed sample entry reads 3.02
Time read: 2.53
